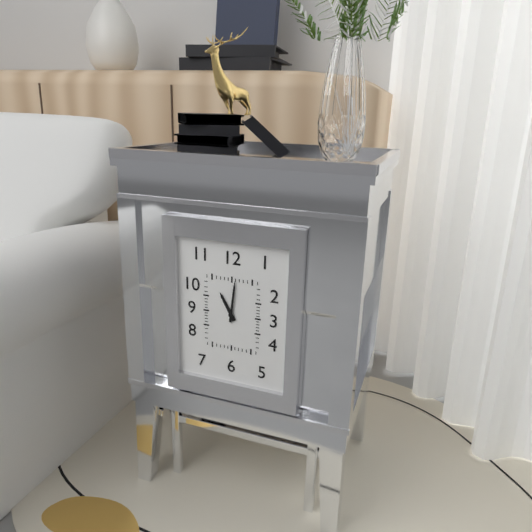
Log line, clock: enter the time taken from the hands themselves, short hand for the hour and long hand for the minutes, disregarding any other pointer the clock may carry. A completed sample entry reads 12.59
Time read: 11.01
